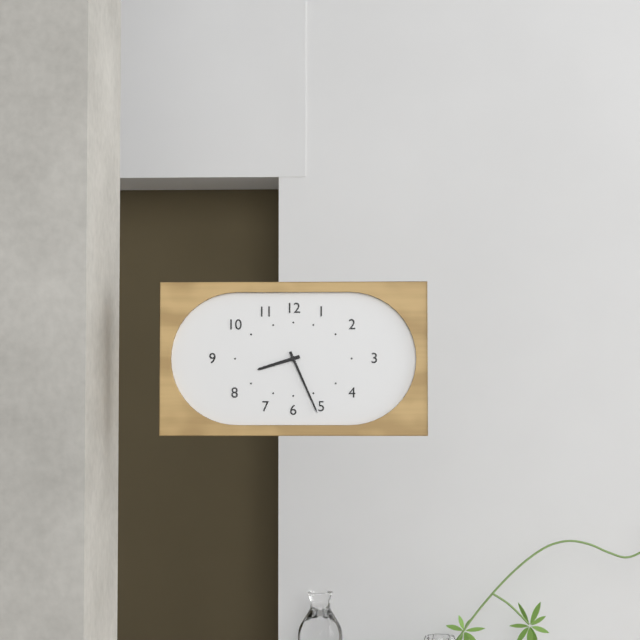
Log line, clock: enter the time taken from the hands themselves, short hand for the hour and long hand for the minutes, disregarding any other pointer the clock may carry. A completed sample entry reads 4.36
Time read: 8.26
